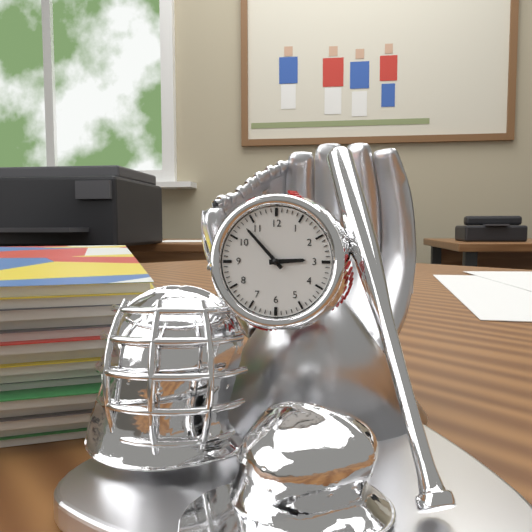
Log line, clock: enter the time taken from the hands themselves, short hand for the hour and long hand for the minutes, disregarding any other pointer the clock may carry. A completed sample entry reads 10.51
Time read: 2.53
